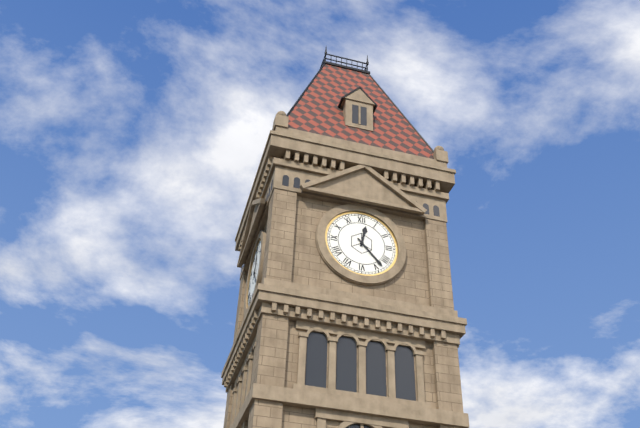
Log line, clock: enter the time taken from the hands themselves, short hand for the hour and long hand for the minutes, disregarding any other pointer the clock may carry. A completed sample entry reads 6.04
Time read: 12.23
